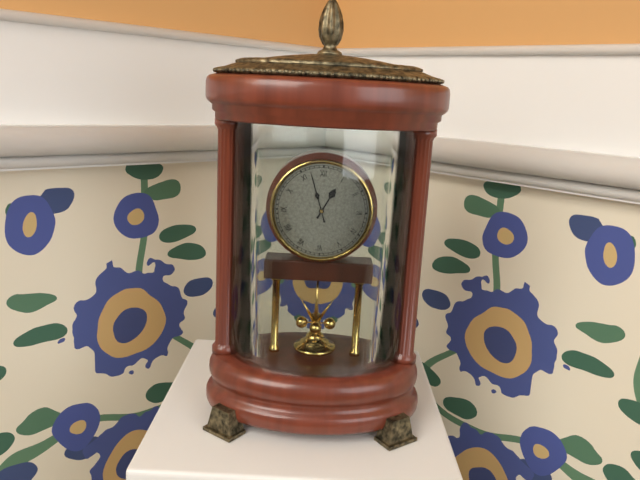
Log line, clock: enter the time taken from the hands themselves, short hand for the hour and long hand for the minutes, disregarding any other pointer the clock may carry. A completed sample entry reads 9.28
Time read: 12.57
